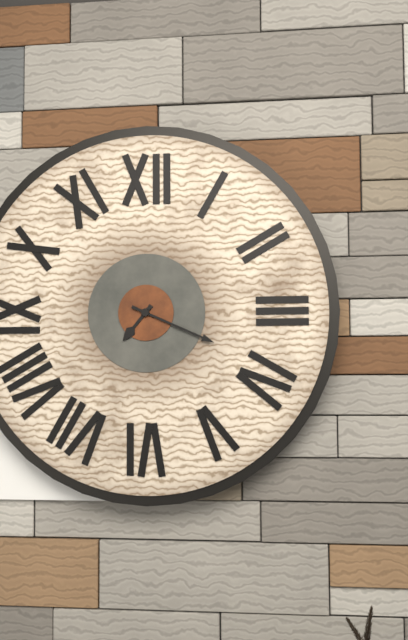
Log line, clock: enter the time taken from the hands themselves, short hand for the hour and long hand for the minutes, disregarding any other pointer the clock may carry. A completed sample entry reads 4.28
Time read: 7.19
